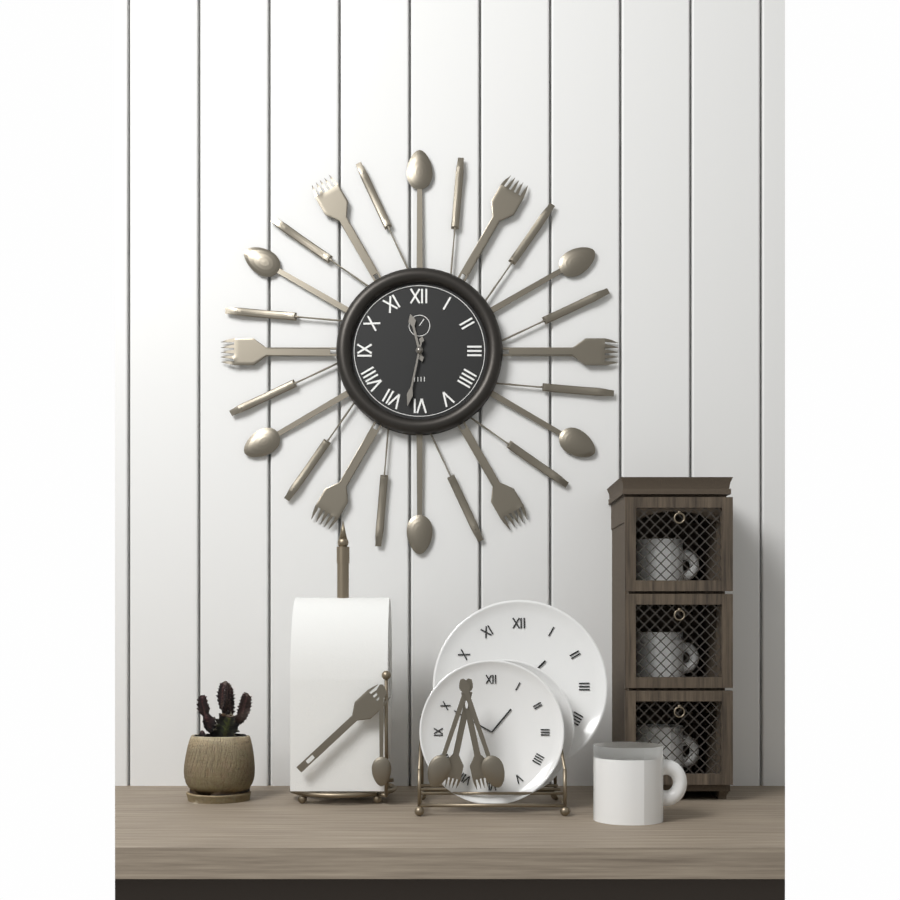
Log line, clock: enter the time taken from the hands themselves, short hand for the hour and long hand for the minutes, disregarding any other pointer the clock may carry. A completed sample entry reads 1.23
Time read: 11.32
